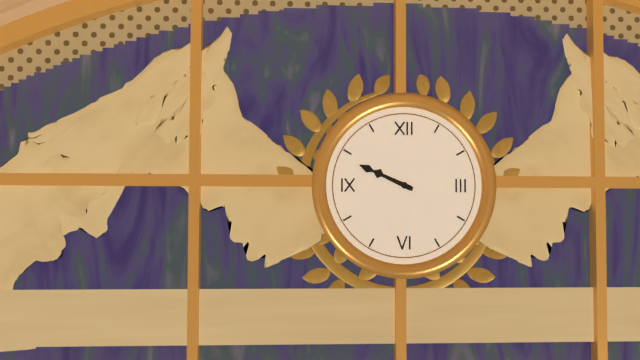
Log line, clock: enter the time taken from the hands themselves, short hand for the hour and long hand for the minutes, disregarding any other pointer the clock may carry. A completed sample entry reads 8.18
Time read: 9.49
